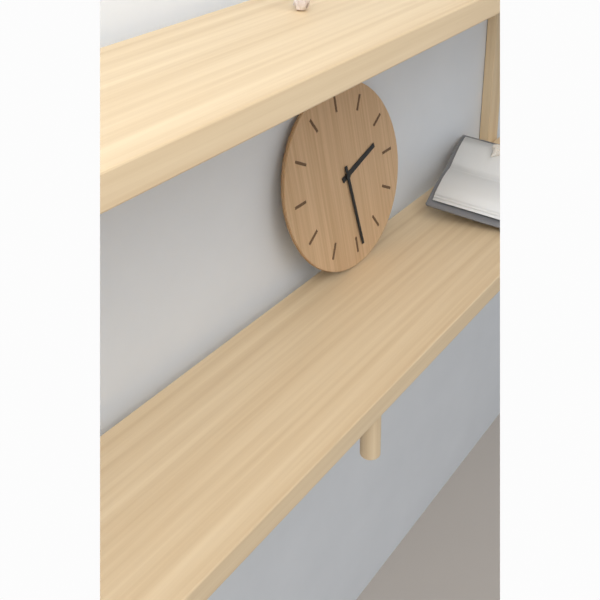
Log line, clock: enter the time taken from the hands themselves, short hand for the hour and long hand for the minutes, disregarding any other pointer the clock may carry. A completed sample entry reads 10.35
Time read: 2.29
